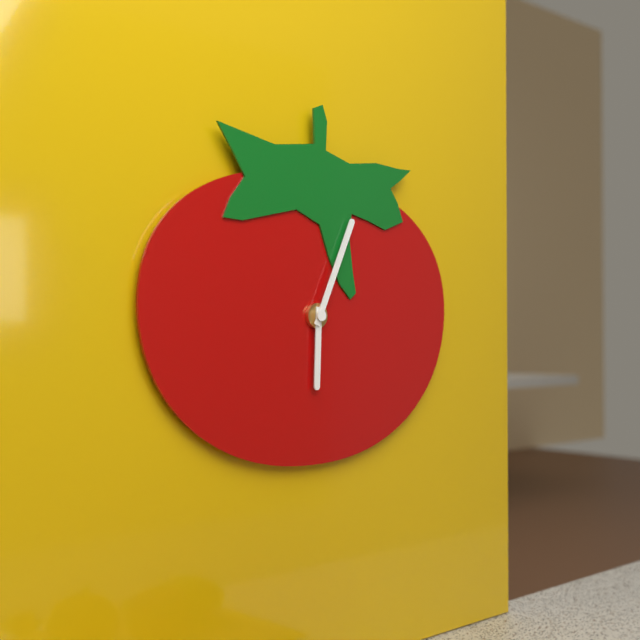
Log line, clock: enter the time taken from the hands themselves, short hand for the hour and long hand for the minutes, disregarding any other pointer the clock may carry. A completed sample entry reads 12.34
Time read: 6.04
